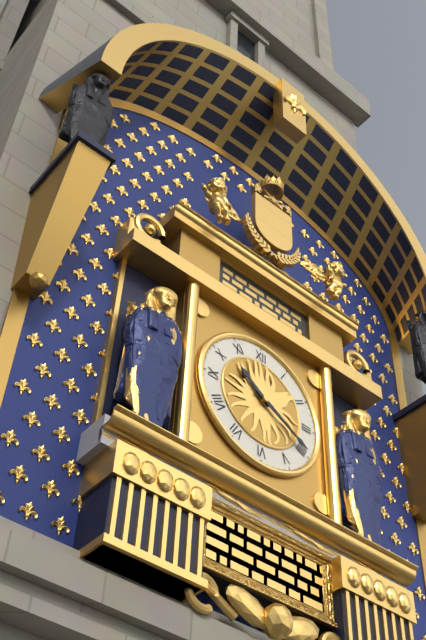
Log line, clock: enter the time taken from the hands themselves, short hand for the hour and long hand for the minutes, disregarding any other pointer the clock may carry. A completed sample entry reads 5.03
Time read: 10.20
